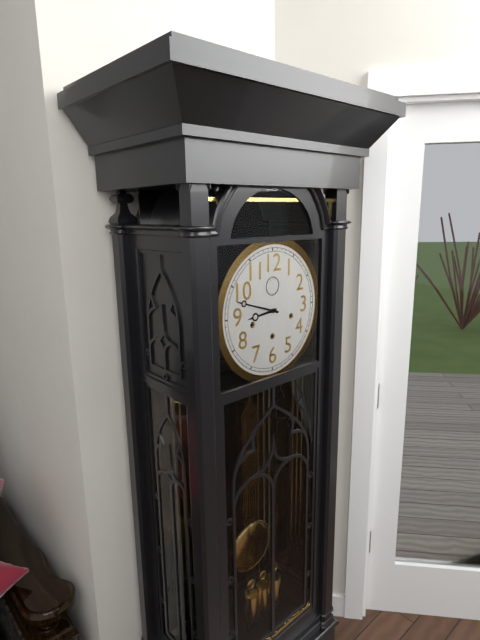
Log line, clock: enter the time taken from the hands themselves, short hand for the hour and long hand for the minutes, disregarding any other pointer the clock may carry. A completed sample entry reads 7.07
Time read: 8.48
